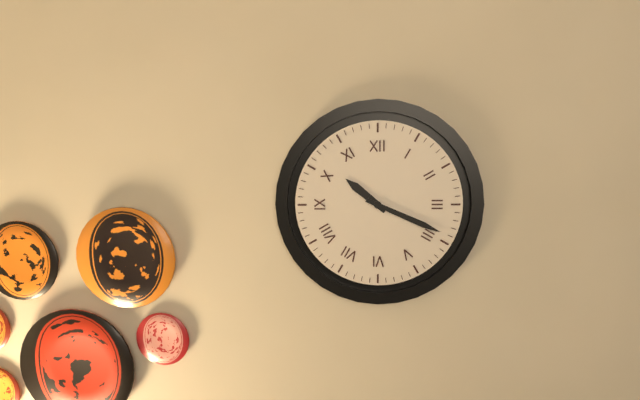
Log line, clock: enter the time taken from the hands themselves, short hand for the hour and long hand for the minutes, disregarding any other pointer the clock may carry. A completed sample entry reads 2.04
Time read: 10.19
